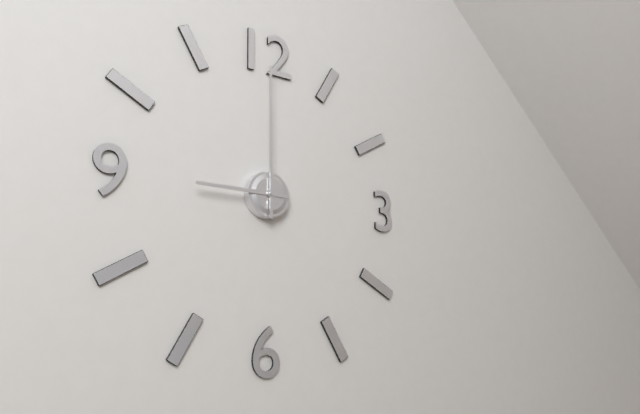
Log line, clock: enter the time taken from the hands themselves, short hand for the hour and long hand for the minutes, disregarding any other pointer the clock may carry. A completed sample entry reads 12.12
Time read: 9.00
